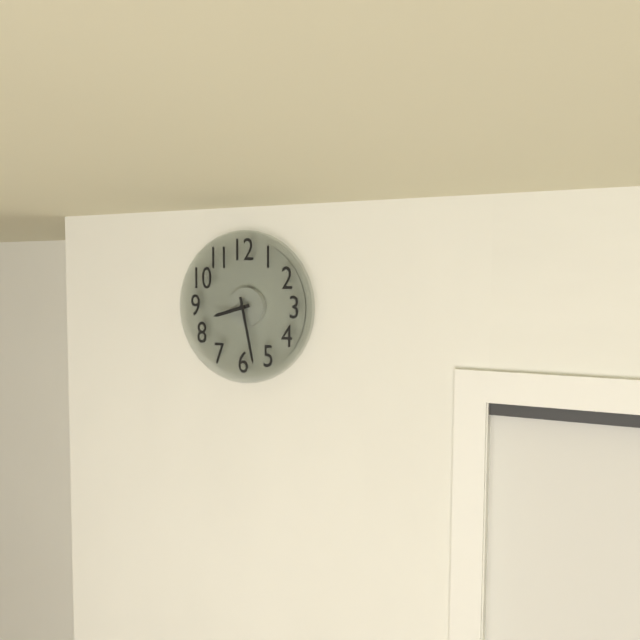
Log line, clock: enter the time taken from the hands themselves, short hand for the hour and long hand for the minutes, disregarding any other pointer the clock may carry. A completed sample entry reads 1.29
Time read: 8.28
